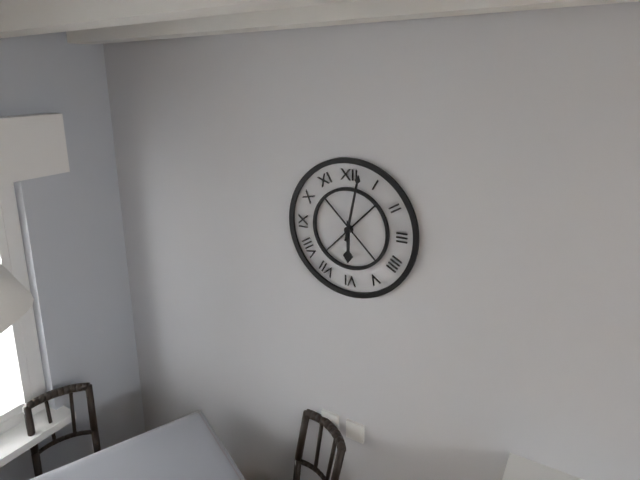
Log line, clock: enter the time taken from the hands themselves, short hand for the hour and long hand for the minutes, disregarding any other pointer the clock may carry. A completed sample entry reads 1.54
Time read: 6.02
